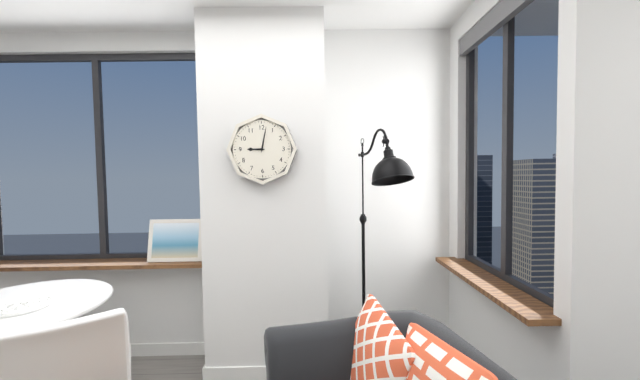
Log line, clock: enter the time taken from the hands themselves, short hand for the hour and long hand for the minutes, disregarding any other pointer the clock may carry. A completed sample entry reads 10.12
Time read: 9.02
